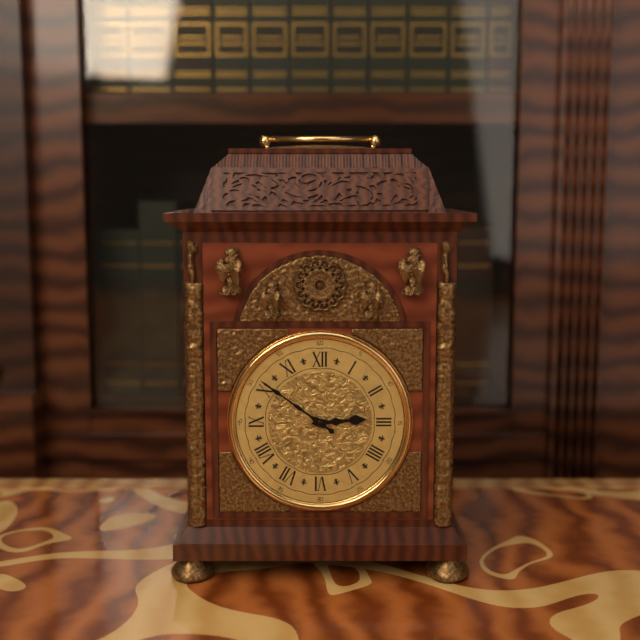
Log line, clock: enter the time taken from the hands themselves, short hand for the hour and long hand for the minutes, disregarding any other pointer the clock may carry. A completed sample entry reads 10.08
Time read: 2.51
